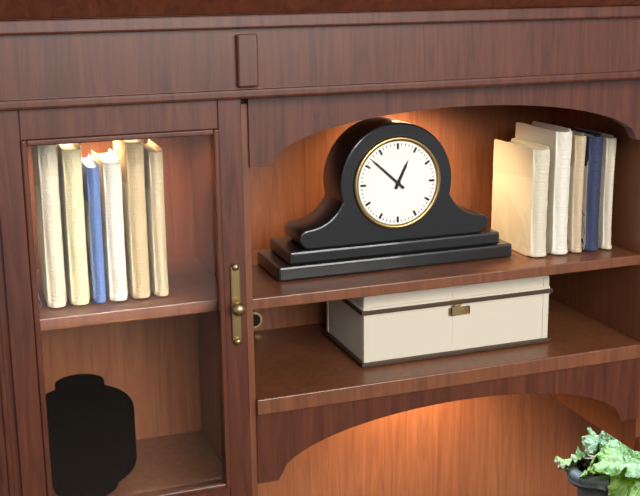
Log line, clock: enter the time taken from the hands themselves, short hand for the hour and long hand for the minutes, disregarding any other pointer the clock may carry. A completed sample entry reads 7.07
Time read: 12.52
